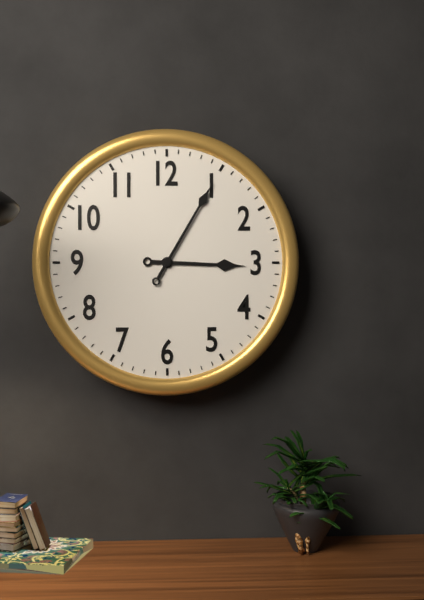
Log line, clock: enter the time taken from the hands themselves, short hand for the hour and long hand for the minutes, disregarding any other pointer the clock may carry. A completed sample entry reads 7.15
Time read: 3.05
